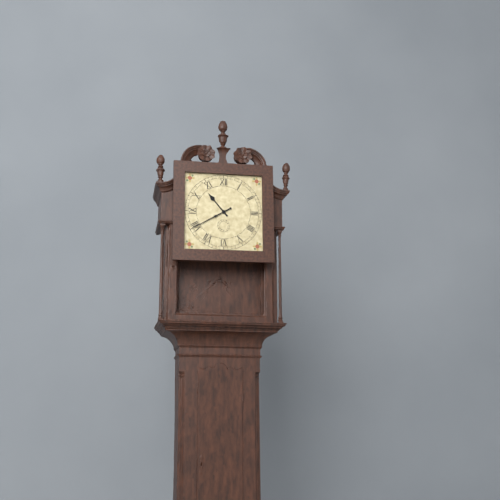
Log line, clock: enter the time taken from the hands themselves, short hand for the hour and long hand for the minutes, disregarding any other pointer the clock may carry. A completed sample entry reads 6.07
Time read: 10.40
